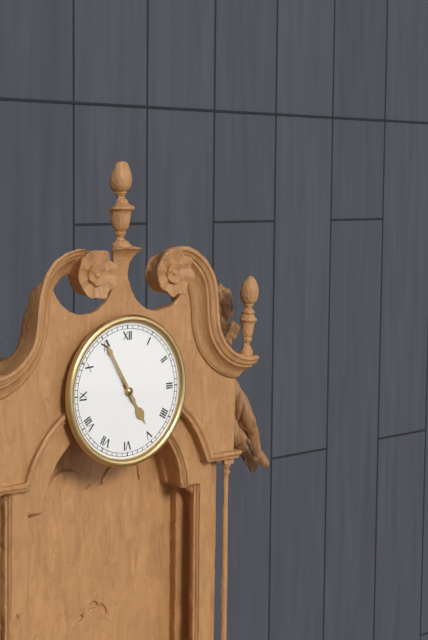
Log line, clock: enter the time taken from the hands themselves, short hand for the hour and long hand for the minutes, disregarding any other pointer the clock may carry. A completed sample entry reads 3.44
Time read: 4.55
